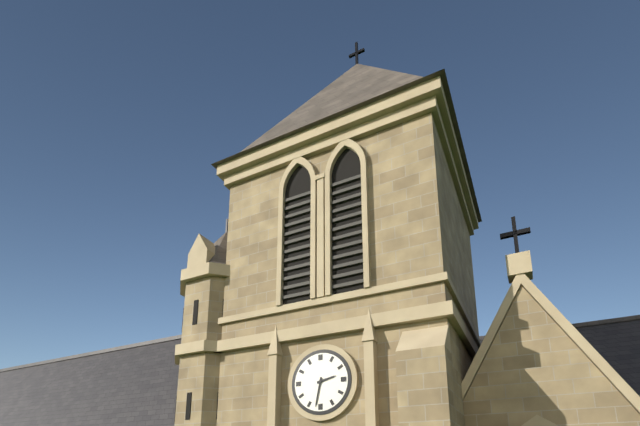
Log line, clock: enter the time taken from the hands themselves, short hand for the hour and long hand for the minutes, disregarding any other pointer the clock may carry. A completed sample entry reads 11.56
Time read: 2.32
